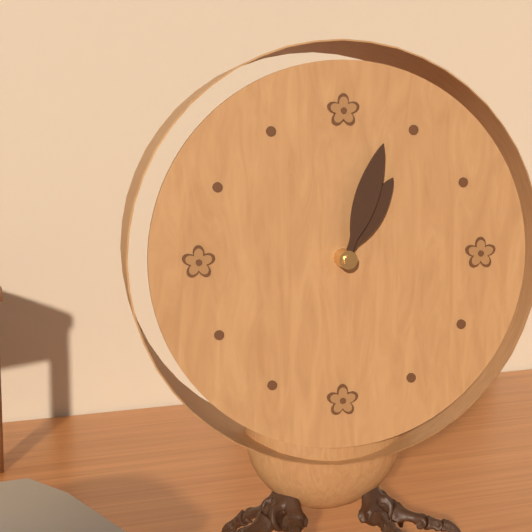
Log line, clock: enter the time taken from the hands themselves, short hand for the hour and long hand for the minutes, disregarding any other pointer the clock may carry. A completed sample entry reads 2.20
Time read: 1.03
